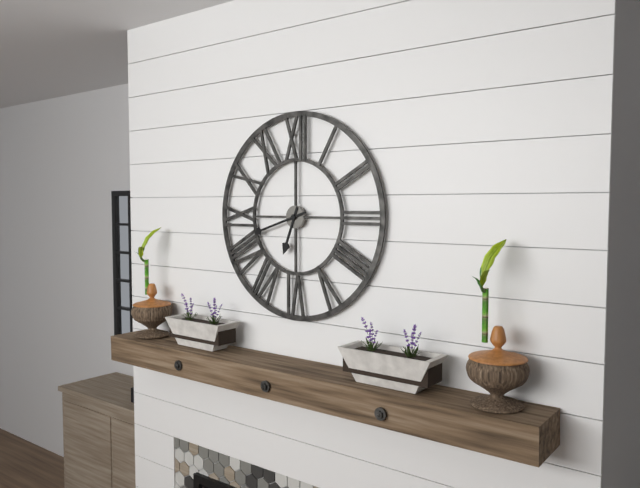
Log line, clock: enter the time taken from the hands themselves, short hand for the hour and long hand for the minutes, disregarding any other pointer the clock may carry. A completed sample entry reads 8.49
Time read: 6.42
